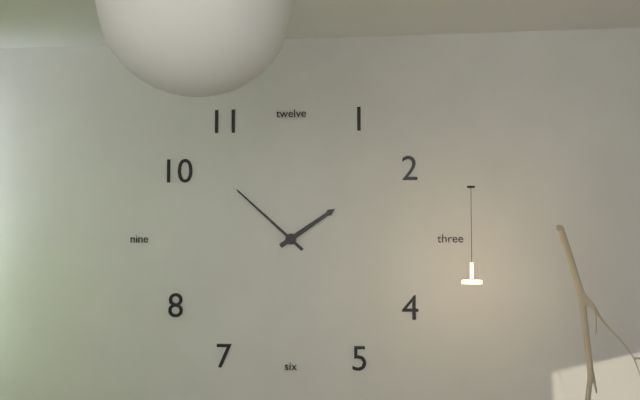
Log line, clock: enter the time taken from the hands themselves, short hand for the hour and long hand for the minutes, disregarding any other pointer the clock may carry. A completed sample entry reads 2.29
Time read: 1.52
